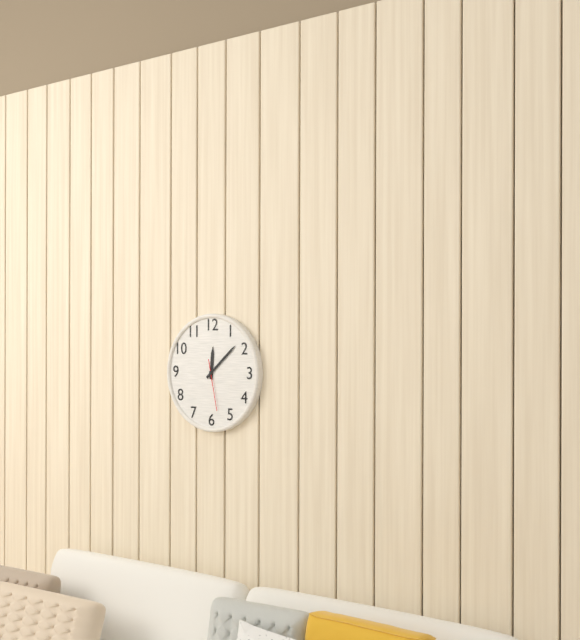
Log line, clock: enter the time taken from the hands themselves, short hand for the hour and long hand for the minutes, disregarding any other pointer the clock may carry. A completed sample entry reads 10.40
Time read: 12.08
